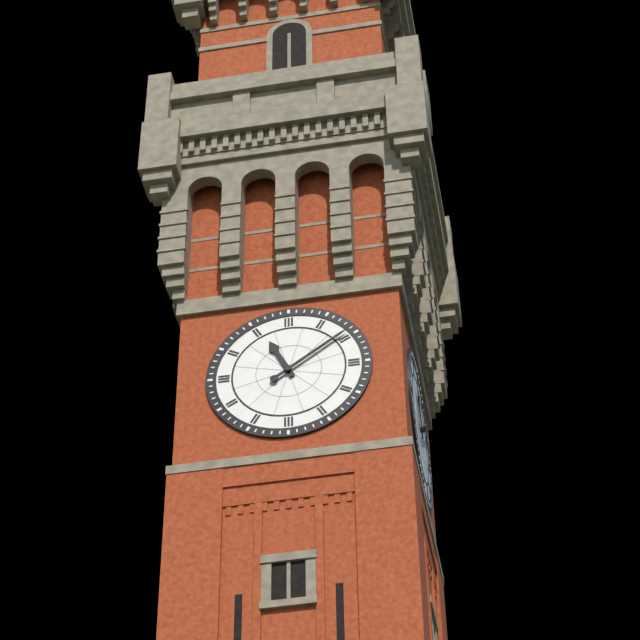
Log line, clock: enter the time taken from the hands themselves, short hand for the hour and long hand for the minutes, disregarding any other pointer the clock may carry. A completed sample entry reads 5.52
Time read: 11.09
